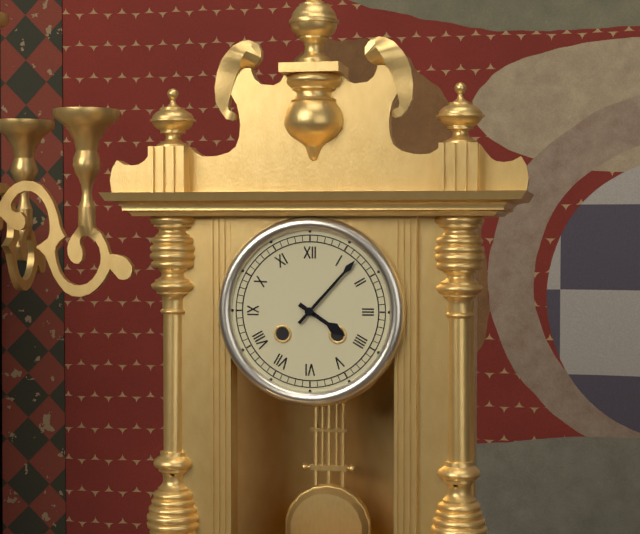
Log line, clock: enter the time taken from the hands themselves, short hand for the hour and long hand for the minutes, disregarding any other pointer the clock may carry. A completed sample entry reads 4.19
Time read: 4.07
